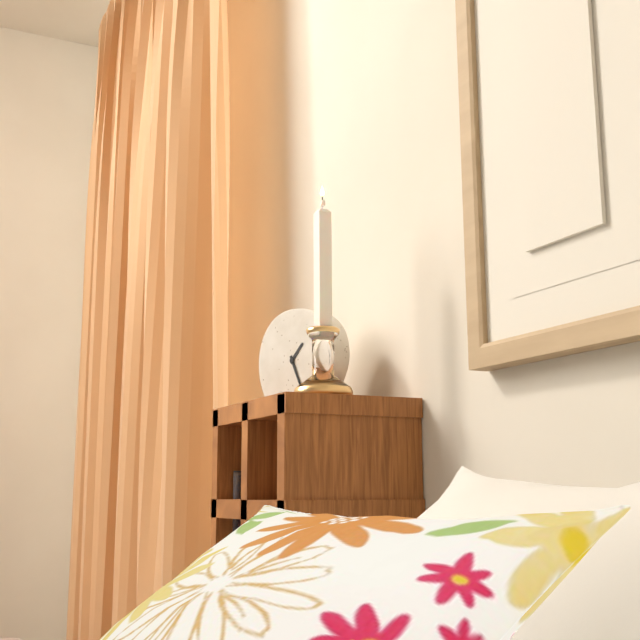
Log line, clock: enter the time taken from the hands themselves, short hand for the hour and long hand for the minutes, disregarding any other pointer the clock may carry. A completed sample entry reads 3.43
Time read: 1.26
